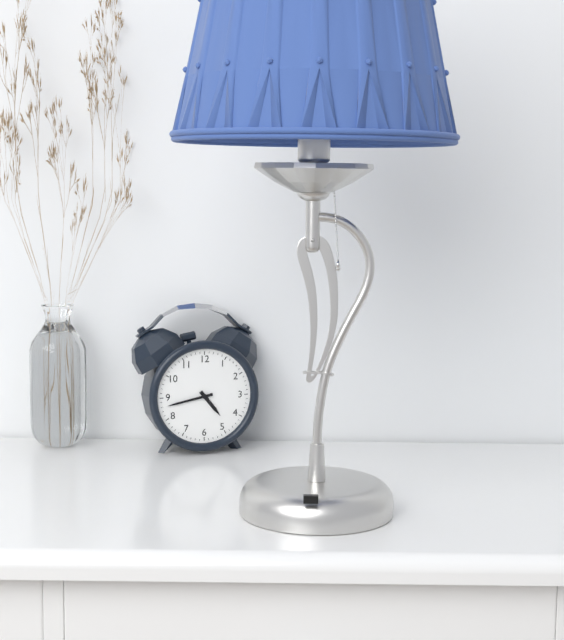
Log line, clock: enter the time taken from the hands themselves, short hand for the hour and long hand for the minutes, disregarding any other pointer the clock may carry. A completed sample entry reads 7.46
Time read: 4.43
